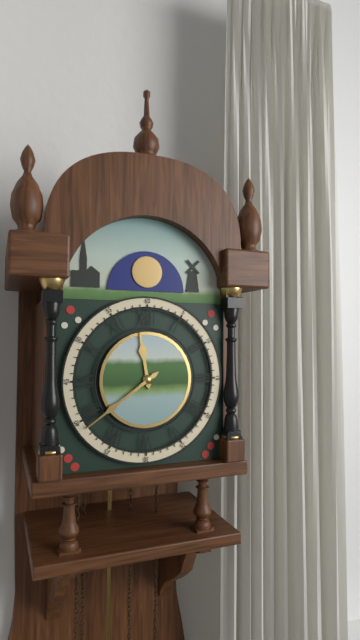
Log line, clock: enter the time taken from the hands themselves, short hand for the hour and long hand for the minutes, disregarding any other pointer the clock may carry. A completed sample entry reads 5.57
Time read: 11.39
